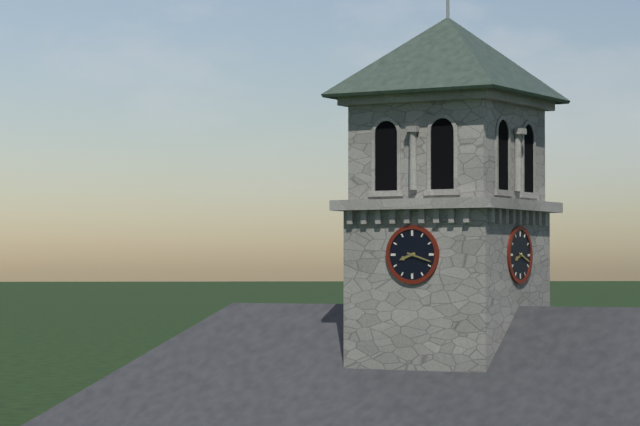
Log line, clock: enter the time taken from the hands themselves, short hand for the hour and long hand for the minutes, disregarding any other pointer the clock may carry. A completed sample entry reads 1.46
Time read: 8.18
